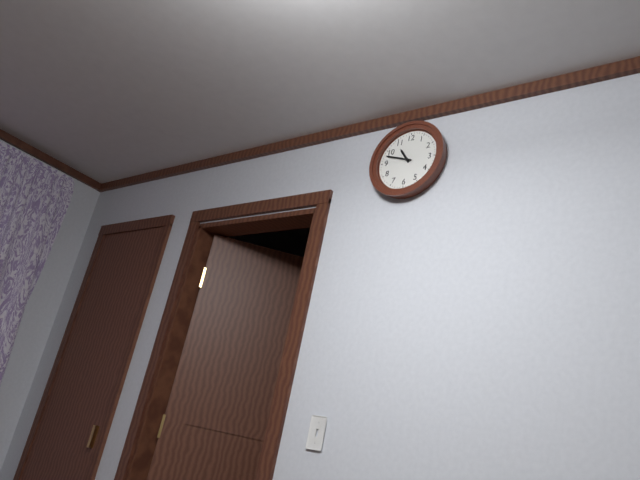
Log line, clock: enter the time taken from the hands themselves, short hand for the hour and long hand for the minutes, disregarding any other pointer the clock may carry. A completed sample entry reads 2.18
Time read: 10.48
